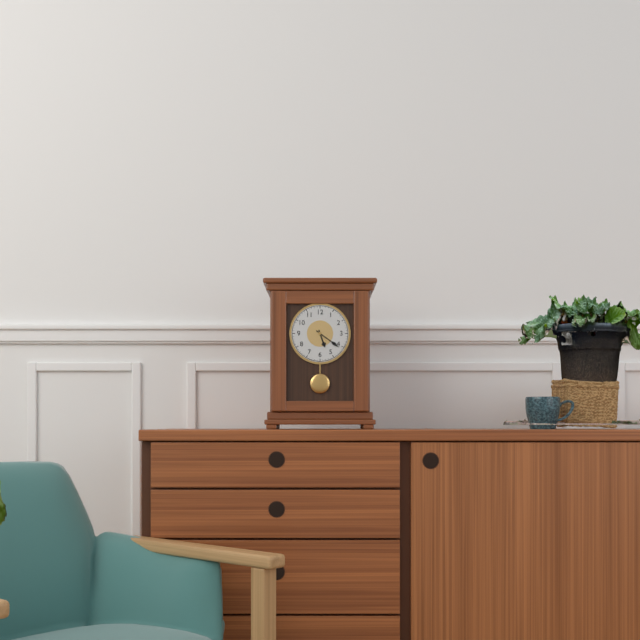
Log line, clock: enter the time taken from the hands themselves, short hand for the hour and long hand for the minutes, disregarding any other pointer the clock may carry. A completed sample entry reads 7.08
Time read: 5.21
